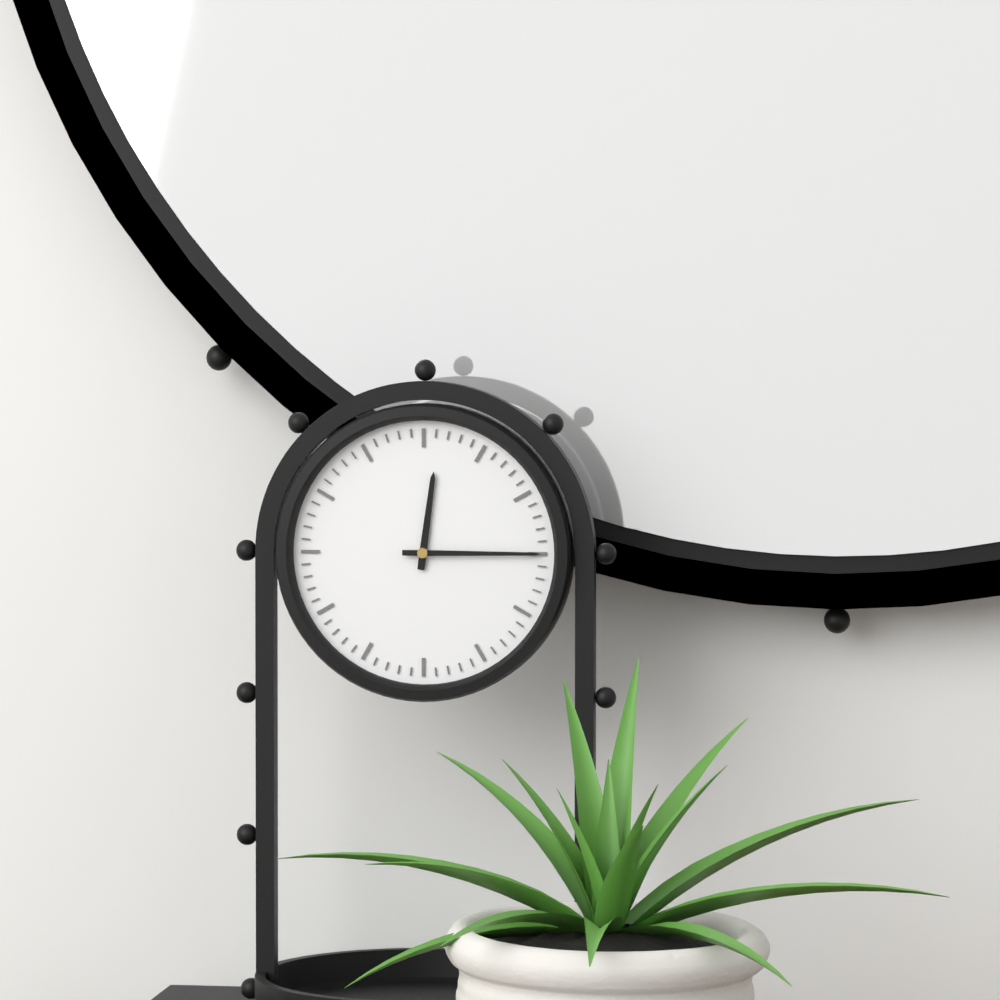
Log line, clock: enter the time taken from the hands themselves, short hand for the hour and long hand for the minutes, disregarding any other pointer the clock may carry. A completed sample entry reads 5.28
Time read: 12.15
